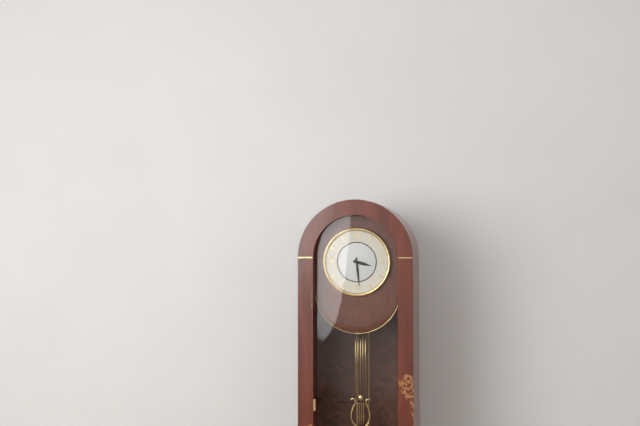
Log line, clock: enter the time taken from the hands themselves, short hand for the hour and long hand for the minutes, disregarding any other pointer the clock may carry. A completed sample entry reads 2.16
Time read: 3.29
